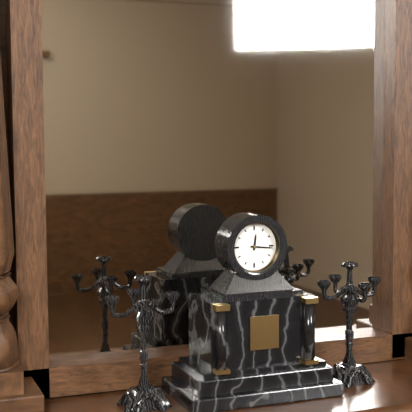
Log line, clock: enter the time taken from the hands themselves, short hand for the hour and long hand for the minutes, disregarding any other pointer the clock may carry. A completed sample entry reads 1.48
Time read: 12.16
